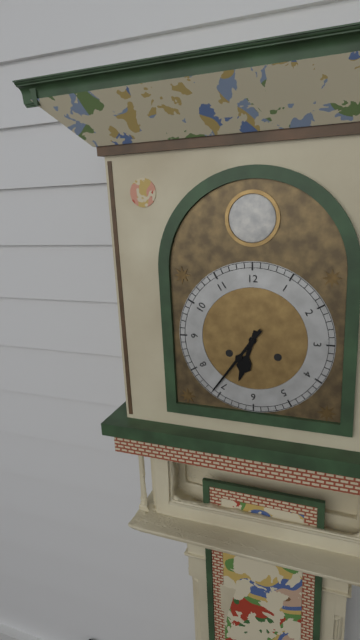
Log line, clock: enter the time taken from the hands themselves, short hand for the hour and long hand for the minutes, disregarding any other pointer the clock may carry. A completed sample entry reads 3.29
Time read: 6.36
